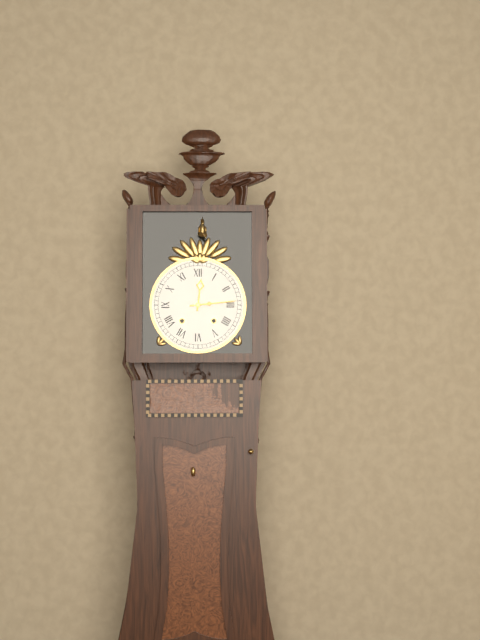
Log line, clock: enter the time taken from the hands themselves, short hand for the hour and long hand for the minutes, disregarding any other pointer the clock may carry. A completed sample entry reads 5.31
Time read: 12.14
